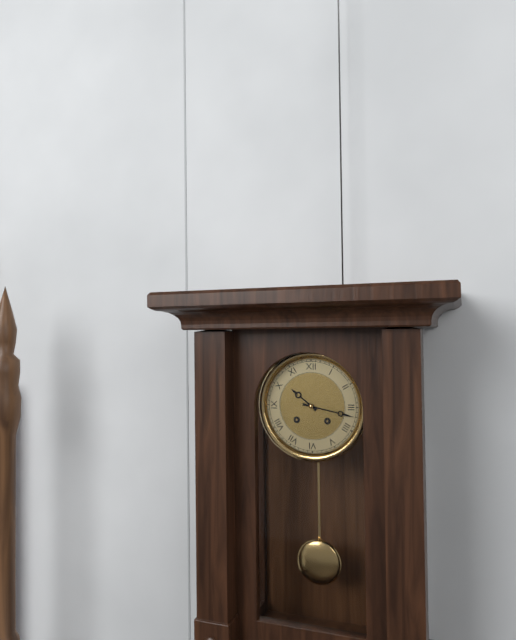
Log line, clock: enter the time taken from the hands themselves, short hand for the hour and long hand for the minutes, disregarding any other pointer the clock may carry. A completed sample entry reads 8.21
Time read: 10.17
